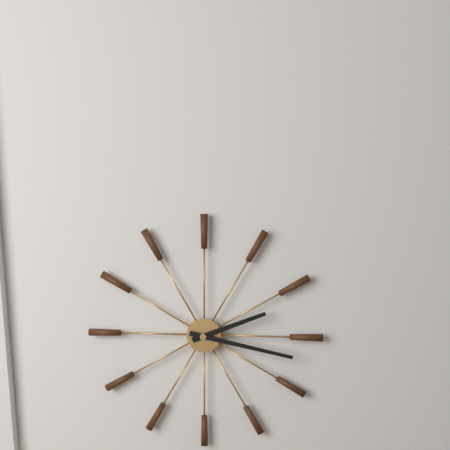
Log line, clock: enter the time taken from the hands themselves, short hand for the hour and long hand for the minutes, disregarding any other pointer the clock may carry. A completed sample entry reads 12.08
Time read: 2.17
